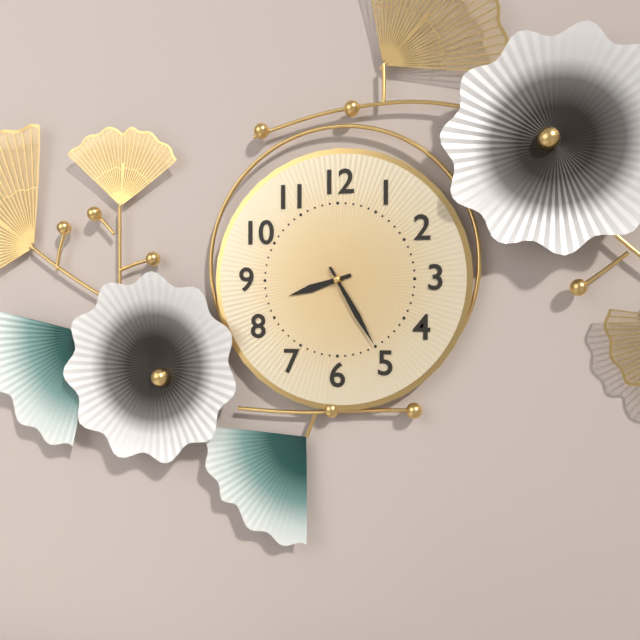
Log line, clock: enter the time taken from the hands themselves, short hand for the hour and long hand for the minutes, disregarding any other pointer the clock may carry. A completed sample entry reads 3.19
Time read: 8.25
